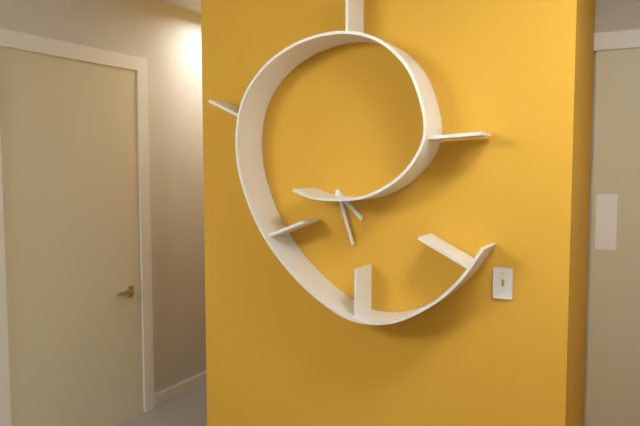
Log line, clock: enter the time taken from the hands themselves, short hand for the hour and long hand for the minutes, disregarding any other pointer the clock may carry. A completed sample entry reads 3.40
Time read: 4.27
